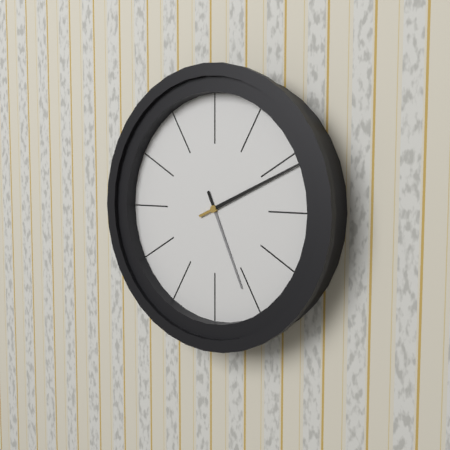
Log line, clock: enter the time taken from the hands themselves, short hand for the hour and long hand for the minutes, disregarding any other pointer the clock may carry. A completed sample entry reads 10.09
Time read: 5.11
